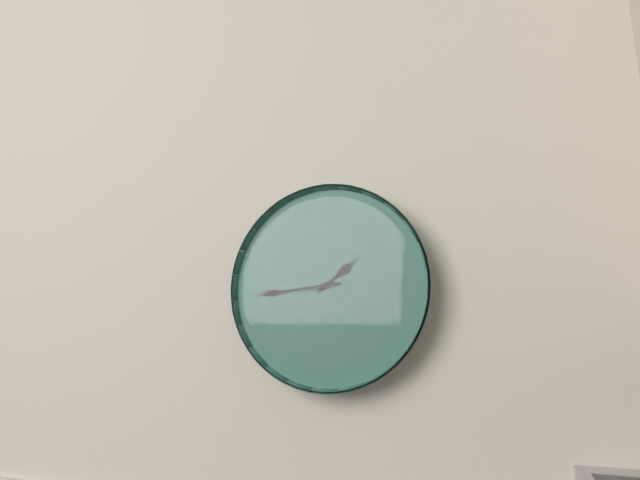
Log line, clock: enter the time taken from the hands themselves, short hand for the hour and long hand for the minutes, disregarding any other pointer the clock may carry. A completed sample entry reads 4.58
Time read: 1.44
